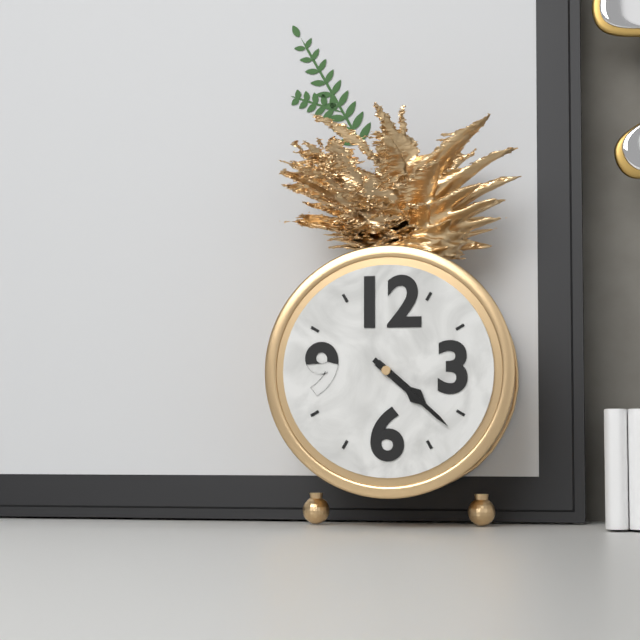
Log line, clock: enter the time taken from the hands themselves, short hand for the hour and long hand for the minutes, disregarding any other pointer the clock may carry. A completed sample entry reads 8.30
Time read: 4.22
